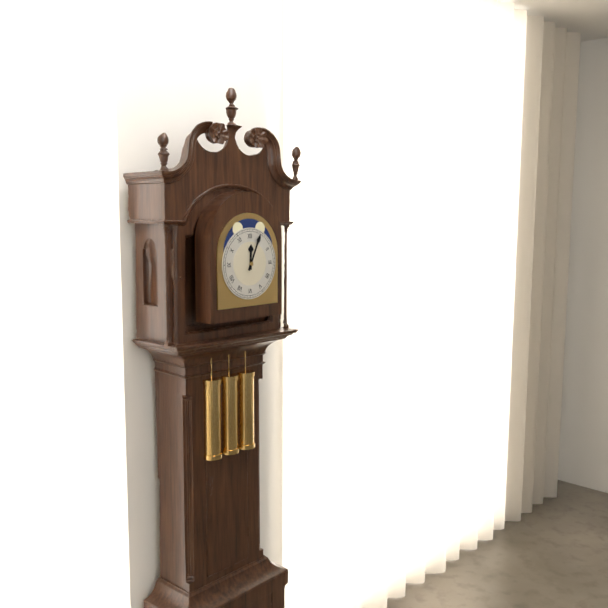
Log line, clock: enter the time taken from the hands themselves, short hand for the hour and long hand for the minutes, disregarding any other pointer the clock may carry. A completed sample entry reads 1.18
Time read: 12.04
